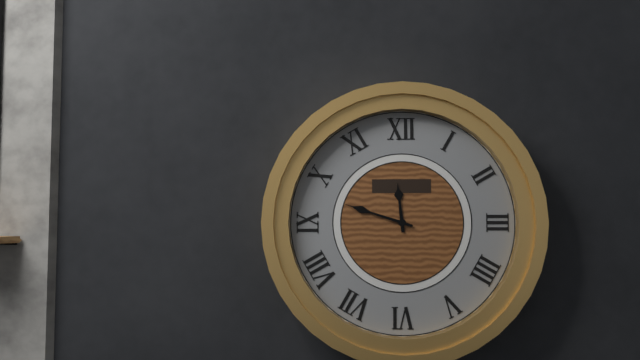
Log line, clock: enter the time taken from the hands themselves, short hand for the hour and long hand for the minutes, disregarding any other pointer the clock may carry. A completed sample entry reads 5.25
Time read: 11.48
